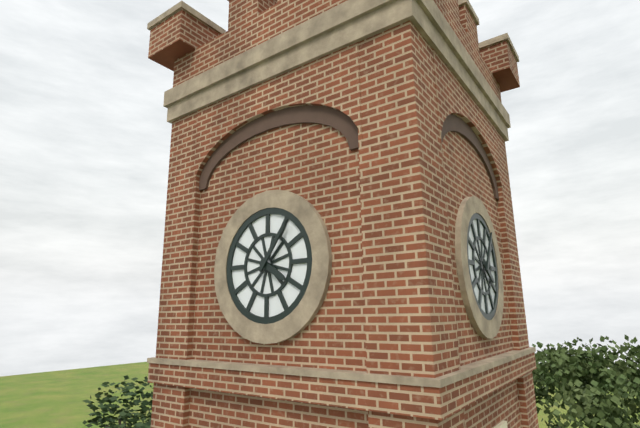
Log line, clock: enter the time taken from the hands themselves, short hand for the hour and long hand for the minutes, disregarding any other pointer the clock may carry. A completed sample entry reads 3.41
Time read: 4.06
